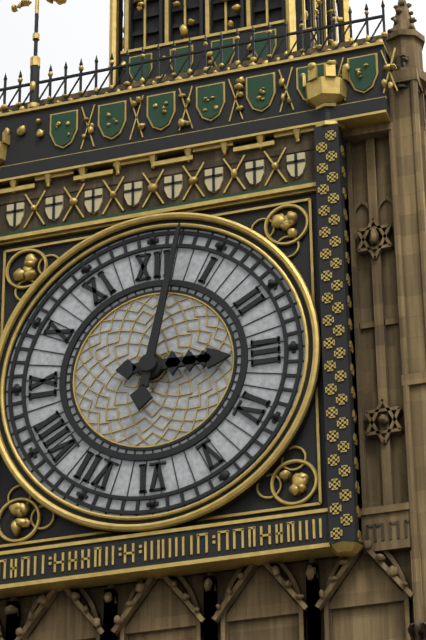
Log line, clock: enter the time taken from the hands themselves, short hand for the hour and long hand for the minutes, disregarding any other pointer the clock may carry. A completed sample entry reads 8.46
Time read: 3.02
